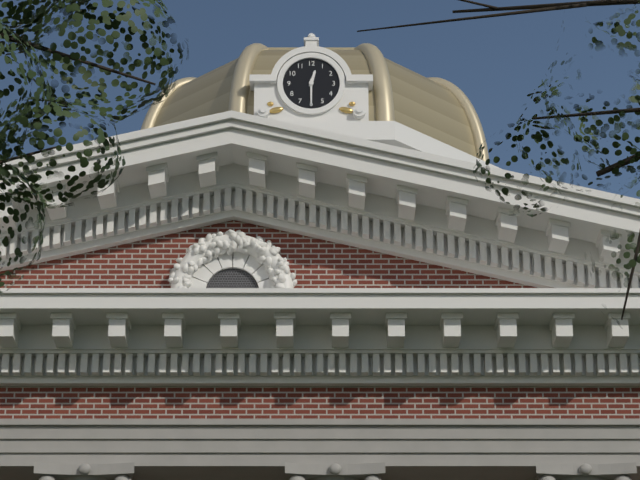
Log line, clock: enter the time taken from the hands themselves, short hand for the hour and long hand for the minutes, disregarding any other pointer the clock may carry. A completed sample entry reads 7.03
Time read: 12.30
